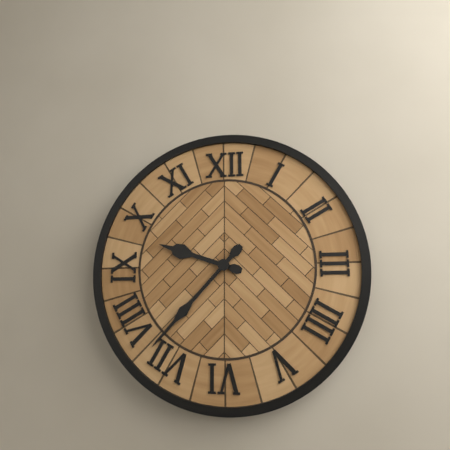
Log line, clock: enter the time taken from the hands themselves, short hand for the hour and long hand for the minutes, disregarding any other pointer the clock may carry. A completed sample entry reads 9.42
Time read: 9.37
